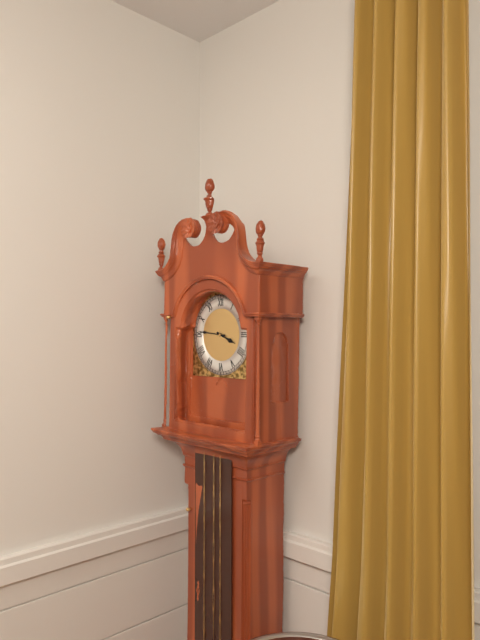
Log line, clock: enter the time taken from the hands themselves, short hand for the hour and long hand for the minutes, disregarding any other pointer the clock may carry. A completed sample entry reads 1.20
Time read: 3.46
